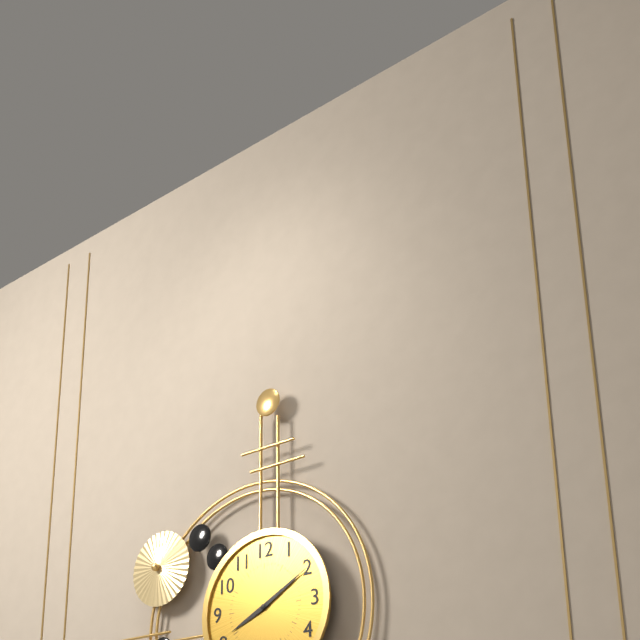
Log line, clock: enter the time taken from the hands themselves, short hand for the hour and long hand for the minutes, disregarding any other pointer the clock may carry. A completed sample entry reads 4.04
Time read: 8.10
